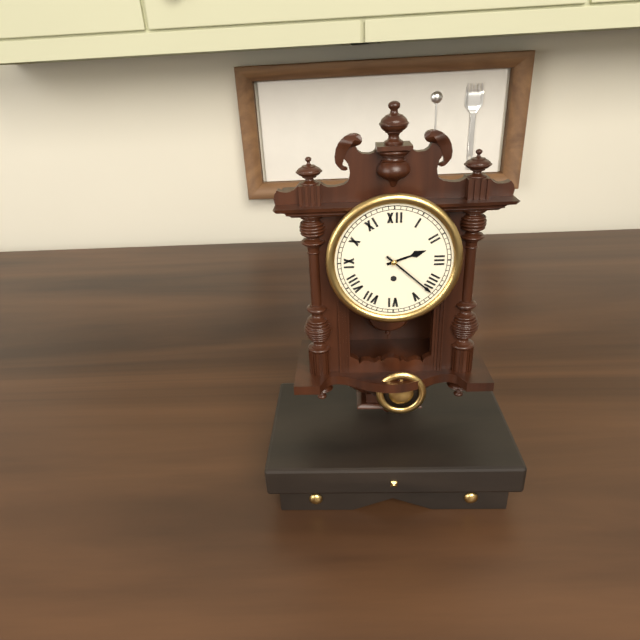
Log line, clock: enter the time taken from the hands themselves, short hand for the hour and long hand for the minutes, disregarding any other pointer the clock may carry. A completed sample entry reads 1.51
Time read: 2.22
